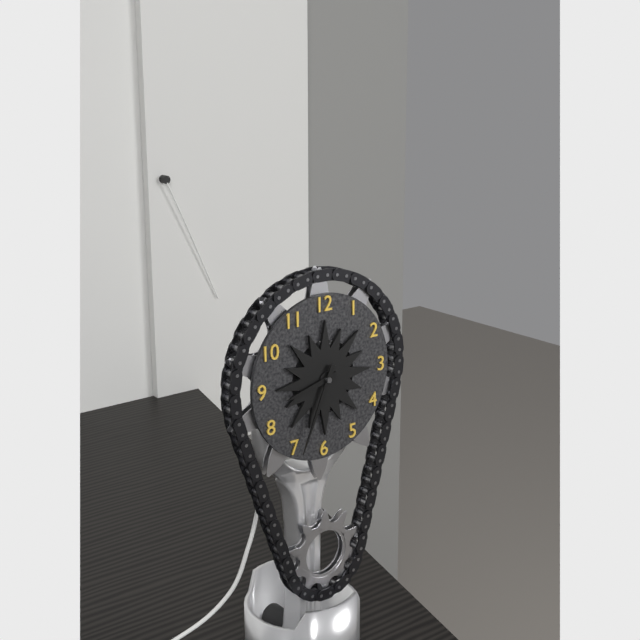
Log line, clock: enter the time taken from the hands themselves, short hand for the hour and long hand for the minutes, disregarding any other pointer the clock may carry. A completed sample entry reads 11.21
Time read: 8.34
